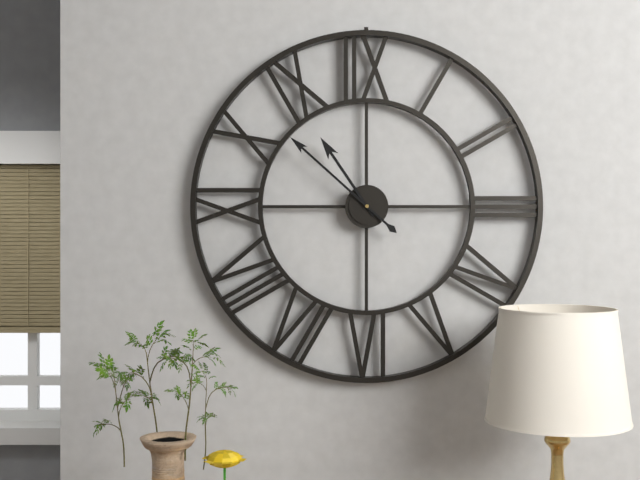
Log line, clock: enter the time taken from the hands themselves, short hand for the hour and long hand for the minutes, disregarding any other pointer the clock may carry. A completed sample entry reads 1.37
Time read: 10.52
